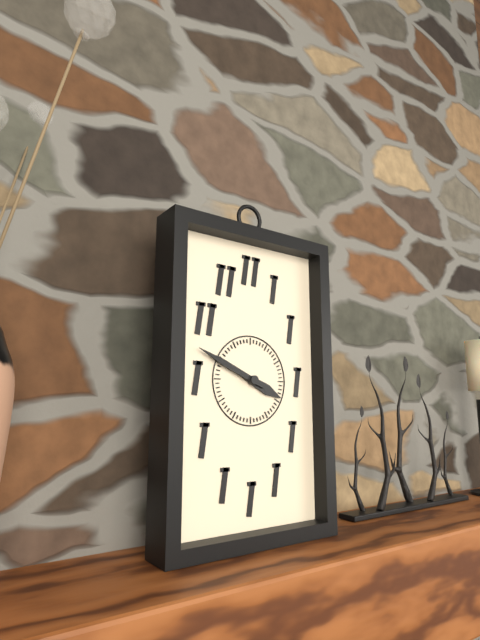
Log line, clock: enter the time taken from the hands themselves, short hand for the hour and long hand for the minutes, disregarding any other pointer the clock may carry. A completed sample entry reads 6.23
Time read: 3.49
